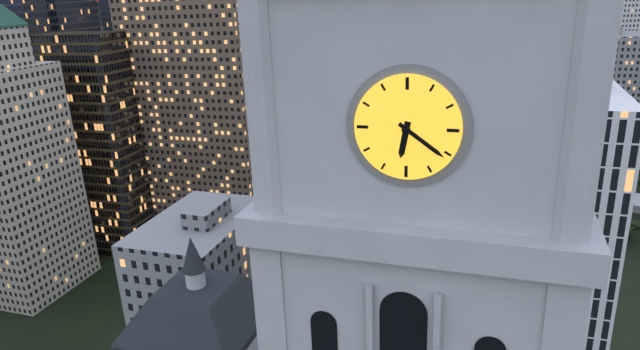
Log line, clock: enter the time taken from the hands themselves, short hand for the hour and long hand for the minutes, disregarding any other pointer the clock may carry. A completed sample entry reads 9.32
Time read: 6.21
